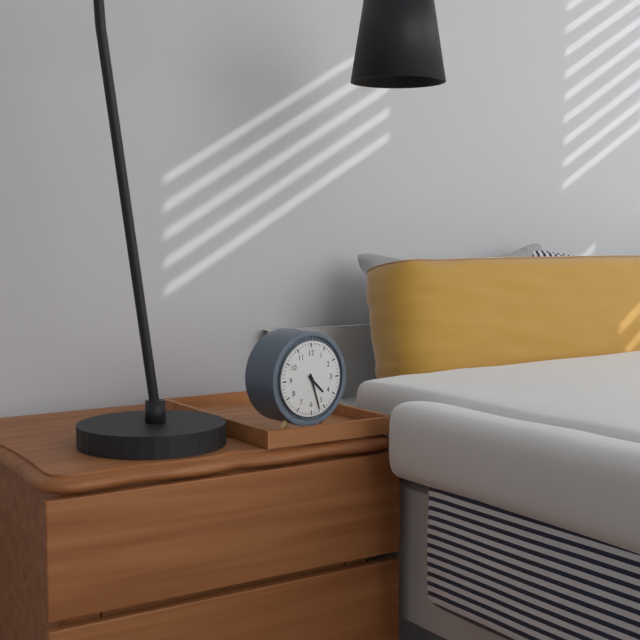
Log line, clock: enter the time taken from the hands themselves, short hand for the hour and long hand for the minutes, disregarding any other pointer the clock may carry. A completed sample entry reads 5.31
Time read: 4.27
